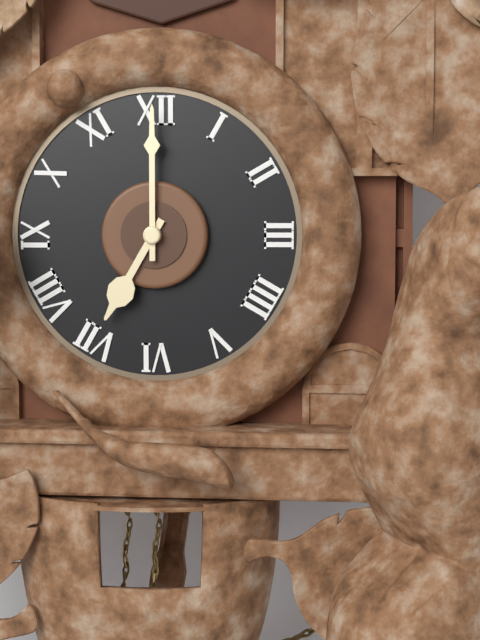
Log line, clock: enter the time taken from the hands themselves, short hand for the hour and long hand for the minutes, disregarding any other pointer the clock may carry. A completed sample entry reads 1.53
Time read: 7.00
